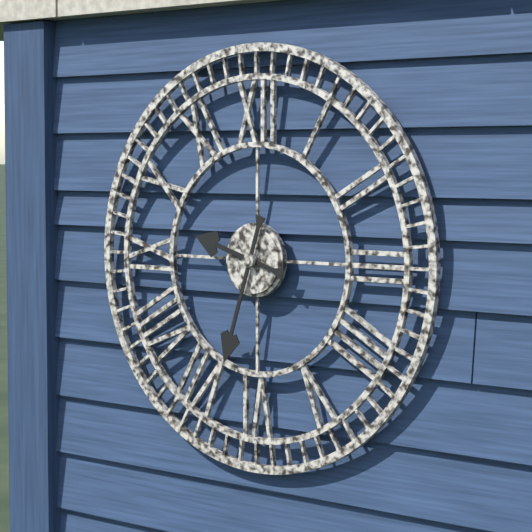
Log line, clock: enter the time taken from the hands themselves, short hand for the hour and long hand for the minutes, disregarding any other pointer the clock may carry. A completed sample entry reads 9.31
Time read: 9.33
